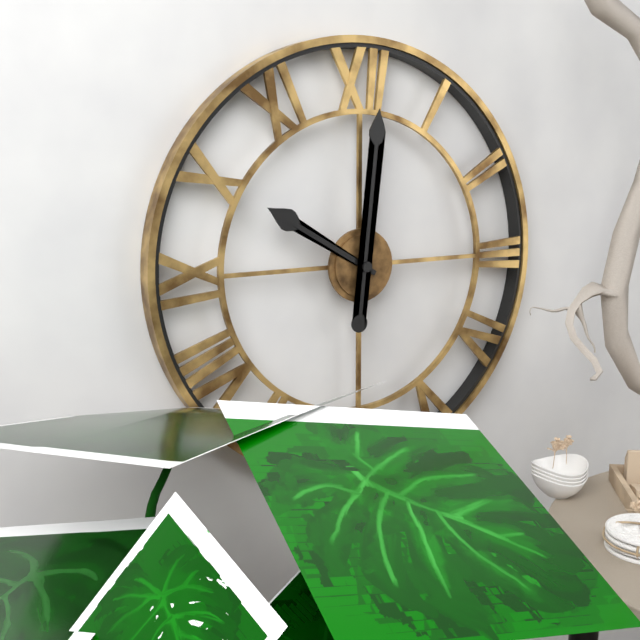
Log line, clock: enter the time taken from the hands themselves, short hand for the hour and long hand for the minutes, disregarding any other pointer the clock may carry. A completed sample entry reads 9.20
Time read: 10.01
